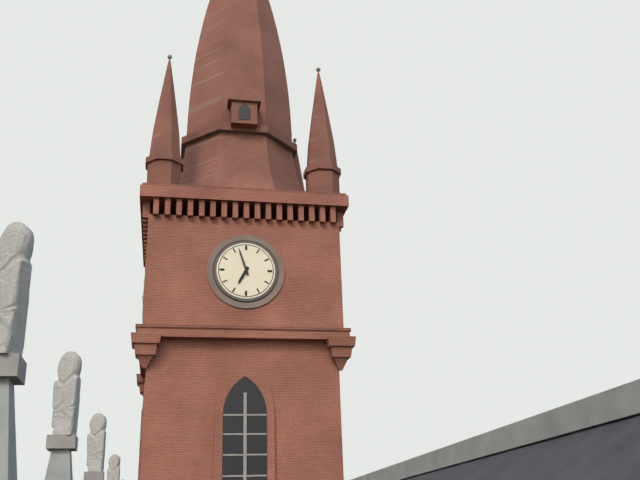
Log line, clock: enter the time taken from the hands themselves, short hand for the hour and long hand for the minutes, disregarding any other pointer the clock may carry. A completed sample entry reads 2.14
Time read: 6.57
